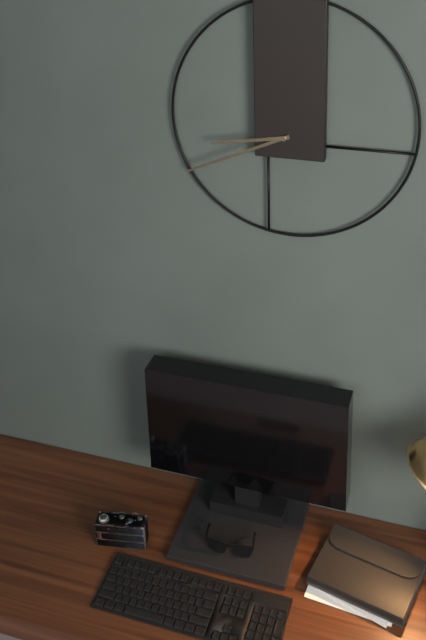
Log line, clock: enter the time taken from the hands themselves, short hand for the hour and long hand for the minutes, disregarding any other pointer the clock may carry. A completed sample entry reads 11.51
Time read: 8.41
